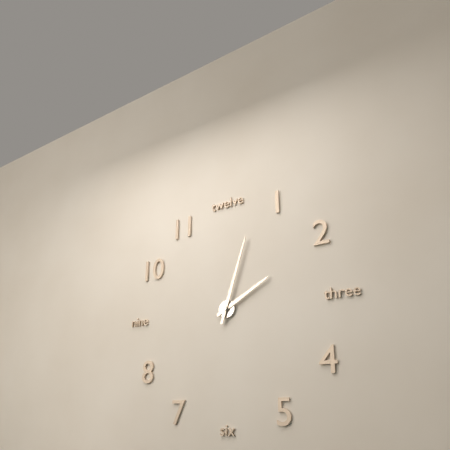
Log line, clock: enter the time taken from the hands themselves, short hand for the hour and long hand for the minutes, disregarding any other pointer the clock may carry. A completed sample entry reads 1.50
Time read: 2.03
